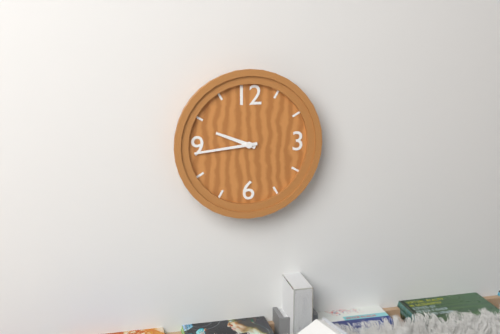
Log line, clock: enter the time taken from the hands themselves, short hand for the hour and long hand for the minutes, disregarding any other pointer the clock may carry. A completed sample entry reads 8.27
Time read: 9.44
